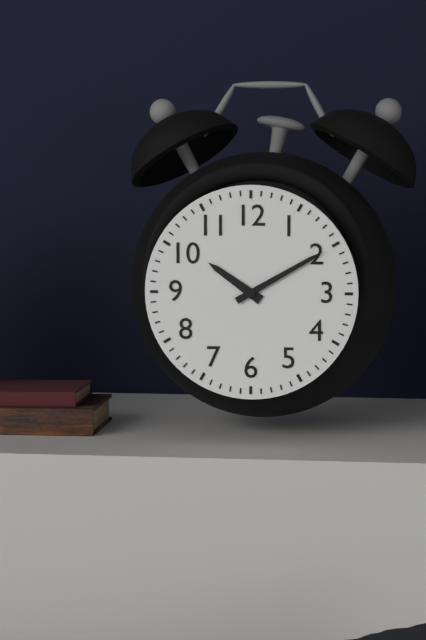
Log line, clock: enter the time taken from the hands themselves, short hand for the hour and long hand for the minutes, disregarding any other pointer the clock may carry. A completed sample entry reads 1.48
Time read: 10.10
